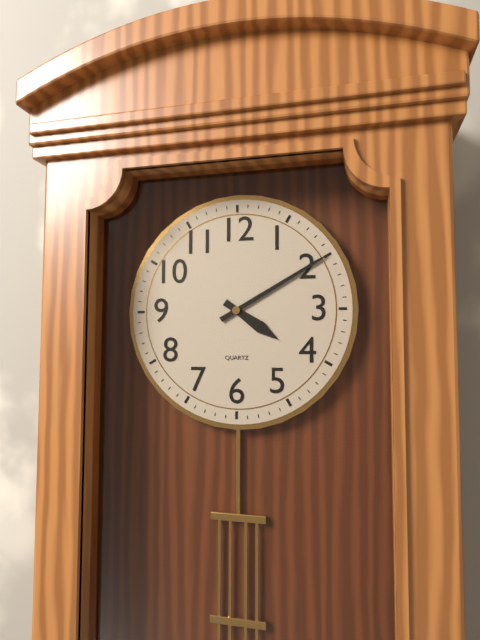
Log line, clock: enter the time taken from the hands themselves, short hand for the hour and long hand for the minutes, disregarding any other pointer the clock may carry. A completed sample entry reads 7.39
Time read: 4.10
